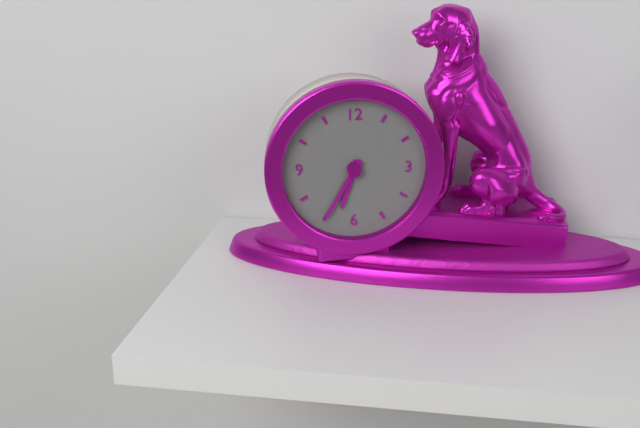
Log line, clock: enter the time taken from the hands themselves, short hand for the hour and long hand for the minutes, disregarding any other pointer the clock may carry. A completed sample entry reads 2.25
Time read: 6.35
